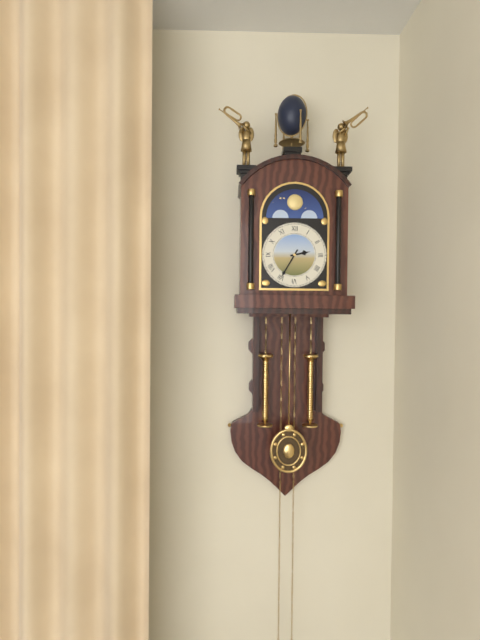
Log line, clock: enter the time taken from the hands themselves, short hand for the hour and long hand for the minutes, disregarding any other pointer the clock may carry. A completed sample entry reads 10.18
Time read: 2.35
